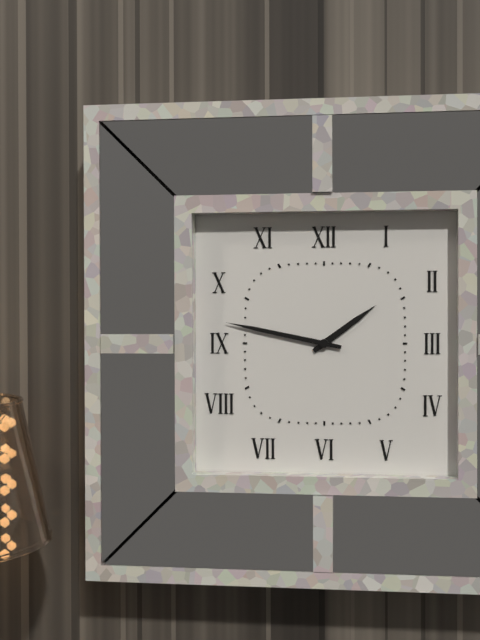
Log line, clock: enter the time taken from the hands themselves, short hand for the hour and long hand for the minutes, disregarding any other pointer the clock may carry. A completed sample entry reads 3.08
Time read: 1.47
